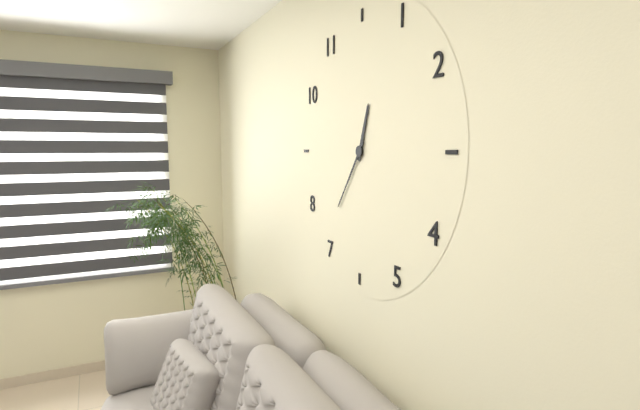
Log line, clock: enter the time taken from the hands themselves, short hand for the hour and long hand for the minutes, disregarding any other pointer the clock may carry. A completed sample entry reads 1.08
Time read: 12.36
